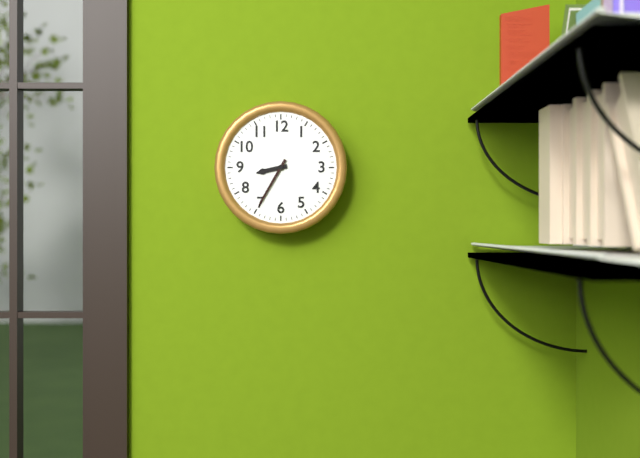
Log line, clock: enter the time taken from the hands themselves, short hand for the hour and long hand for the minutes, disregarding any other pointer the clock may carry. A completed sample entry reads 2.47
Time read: 8.35
